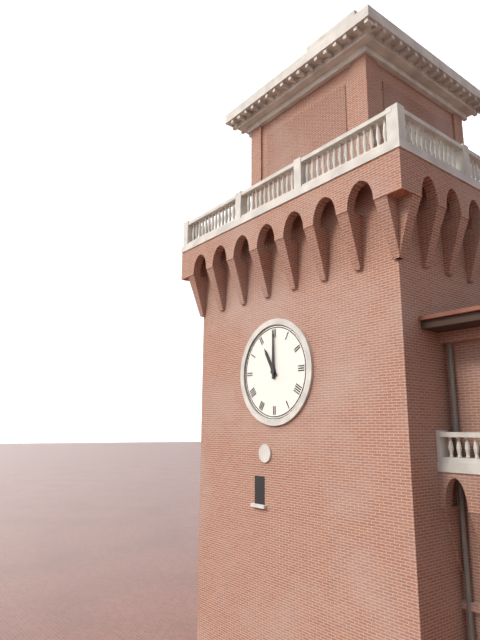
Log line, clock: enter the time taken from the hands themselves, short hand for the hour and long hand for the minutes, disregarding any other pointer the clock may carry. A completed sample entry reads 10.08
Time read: 11.00
